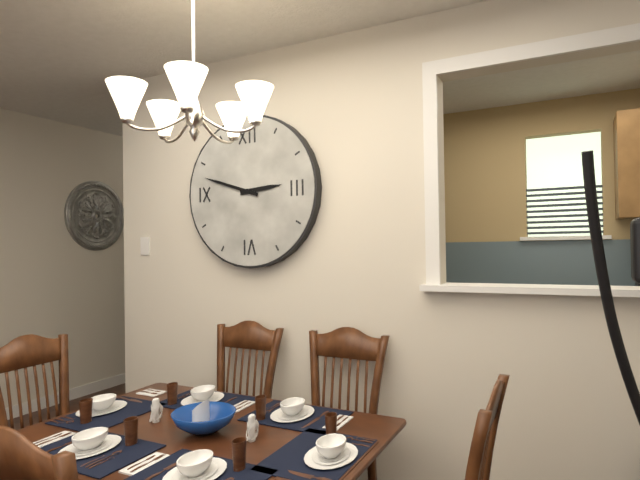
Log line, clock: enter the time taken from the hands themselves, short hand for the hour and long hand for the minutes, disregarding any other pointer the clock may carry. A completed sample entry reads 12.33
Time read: 2.48
